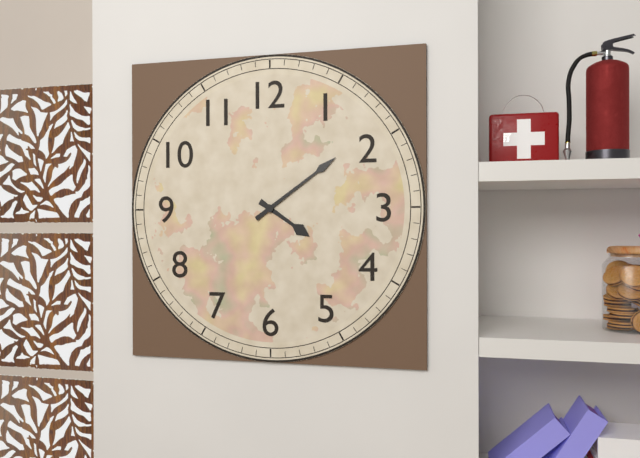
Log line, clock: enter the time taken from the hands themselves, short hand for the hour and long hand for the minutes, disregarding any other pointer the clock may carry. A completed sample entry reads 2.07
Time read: 4.09
